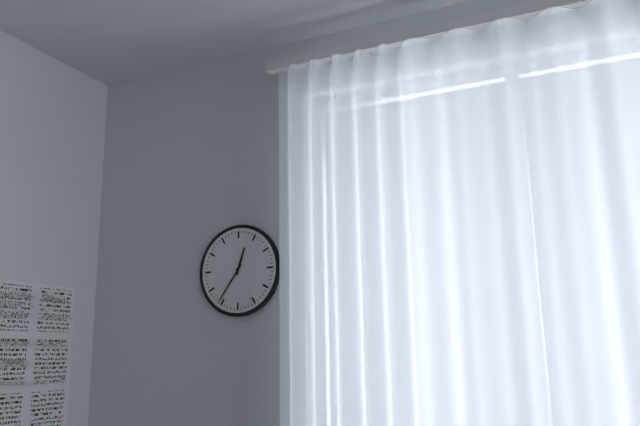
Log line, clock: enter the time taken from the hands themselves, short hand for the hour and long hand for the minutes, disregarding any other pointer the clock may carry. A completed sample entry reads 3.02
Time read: 12.36
